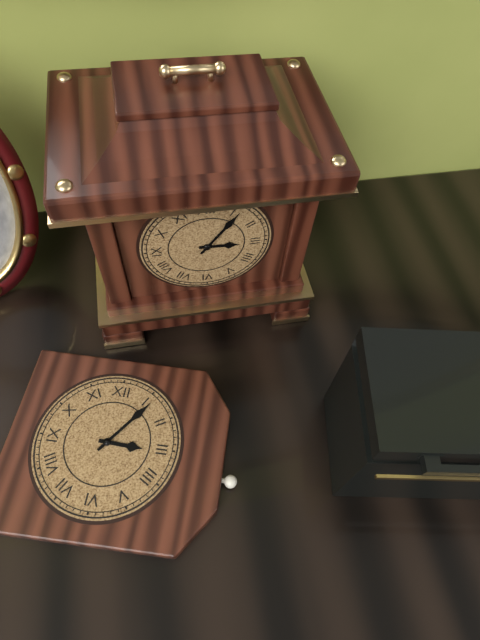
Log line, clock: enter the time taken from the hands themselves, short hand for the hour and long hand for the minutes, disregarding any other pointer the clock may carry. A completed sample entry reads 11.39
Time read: 3.06
